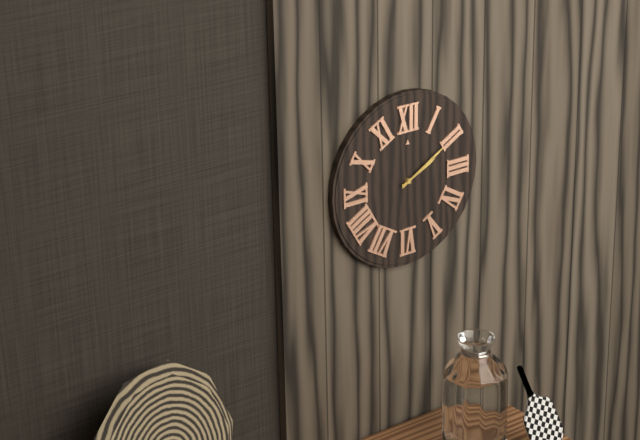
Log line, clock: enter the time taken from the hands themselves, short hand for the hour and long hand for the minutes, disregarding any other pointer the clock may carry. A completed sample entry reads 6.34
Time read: 2.10
